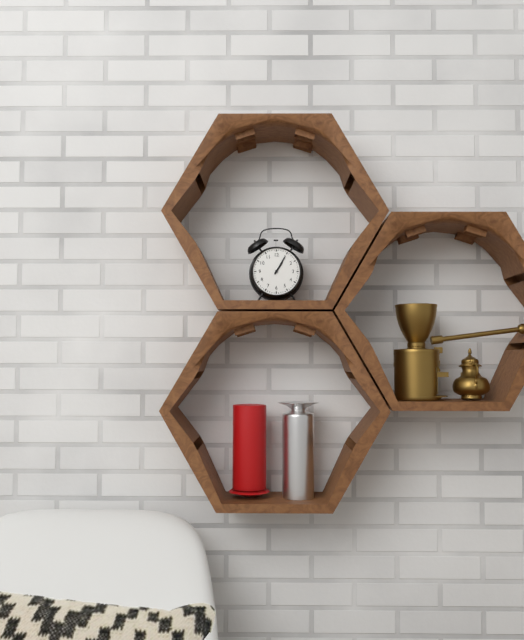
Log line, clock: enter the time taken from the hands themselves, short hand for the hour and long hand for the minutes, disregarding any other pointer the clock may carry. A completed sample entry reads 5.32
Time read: 1.05
